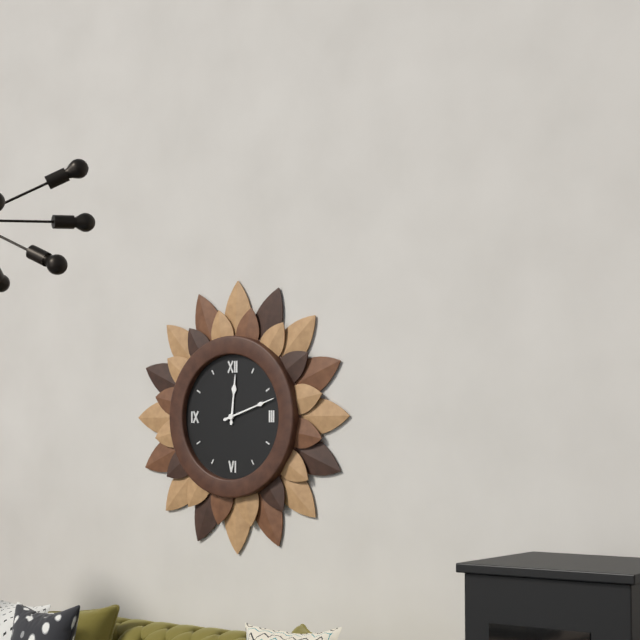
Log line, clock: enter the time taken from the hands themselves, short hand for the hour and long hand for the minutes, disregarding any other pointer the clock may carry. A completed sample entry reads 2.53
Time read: 12.12
